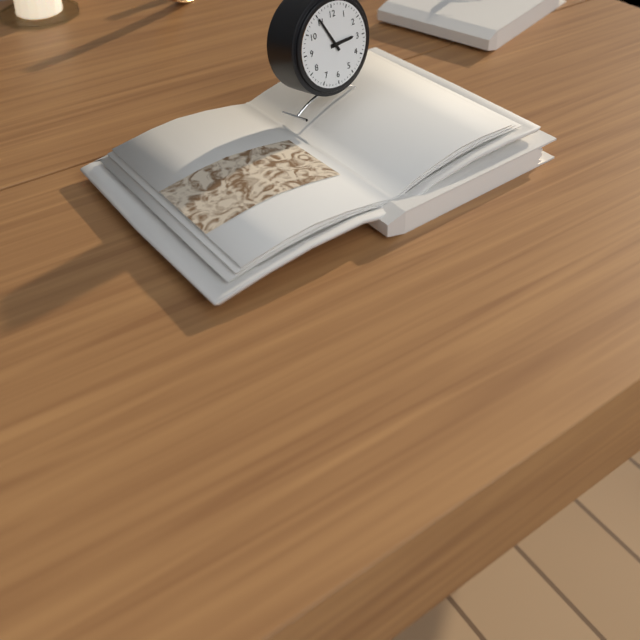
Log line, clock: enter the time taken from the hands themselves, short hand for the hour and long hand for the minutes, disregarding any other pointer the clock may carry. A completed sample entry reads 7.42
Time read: 2.55
